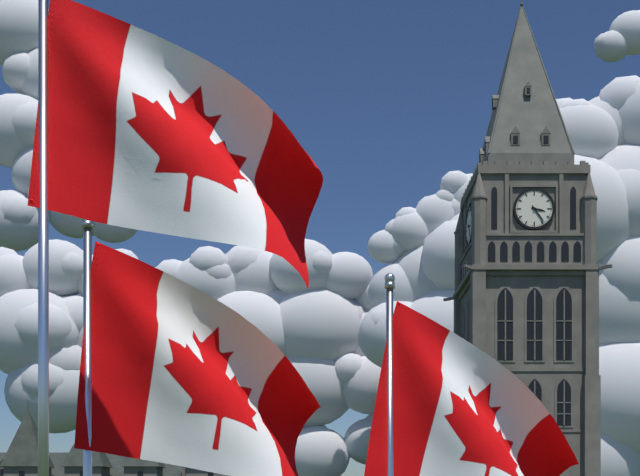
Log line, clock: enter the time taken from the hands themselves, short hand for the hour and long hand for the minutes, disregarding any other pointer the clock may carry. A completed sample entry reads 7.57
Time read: 3.24
